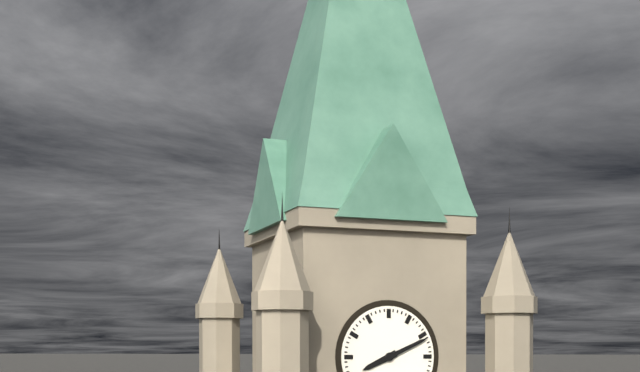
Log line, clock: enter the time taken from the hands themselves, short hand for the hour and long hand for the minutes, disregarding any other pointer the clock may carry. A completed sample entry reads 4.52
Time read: 8.11
